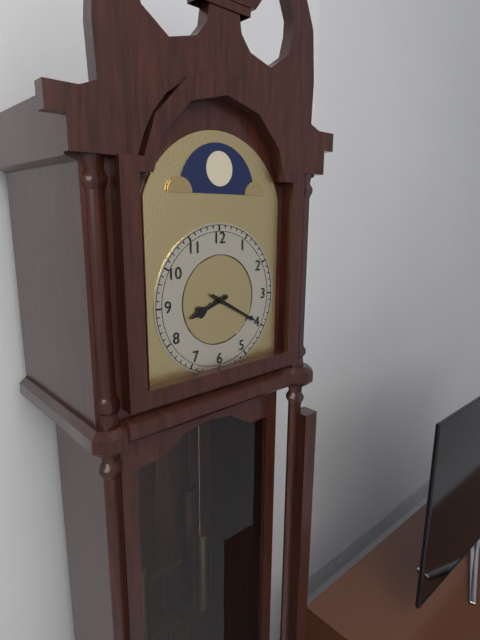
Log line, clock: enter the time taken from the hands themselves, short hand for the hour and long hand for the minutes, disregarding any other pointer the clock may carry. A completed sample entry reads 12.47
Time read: 8.20
